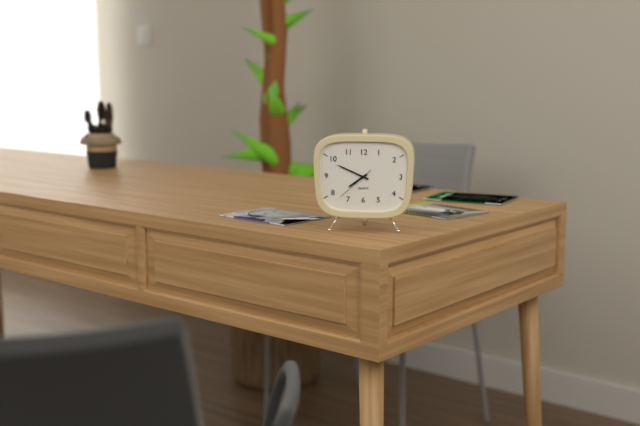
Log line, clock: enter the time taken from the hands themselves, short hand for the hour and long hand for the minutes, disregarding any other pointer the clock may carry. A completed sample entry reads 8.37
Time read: 7.49
